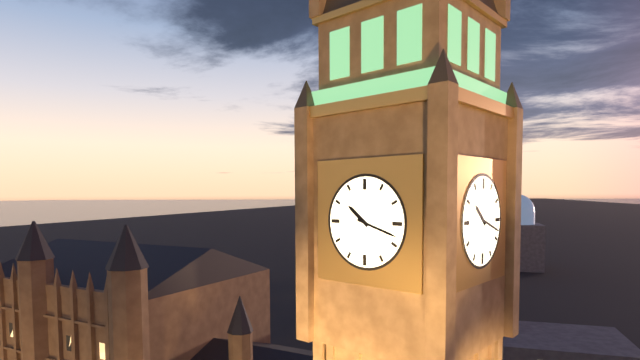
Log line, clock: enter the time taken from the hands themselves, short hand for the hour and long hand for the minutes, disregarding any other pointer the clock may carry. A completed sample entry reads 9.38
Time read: 10.18
